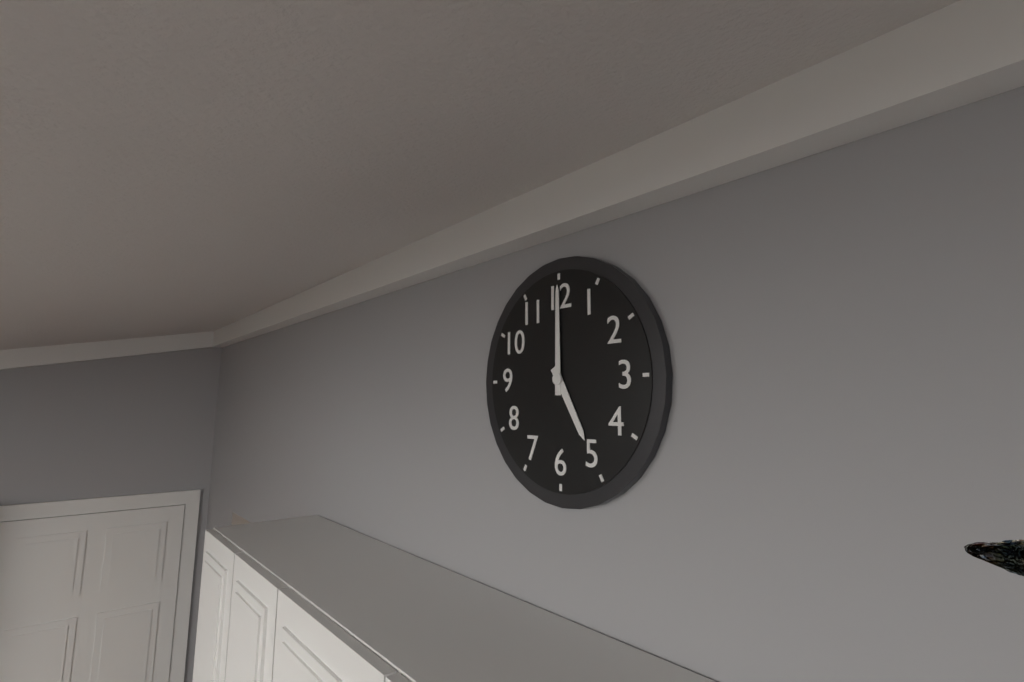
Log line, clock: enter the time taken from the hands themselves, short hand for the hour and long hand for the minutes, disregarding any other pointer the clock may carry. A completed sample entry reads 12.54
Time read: 5.00
